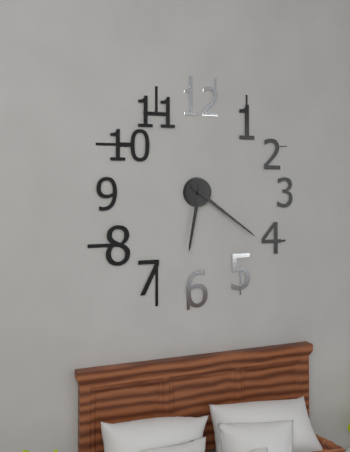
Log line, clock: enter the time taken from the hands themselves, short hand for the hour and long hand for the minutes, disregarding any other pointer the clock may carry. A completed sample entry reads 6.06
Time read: 6.21
